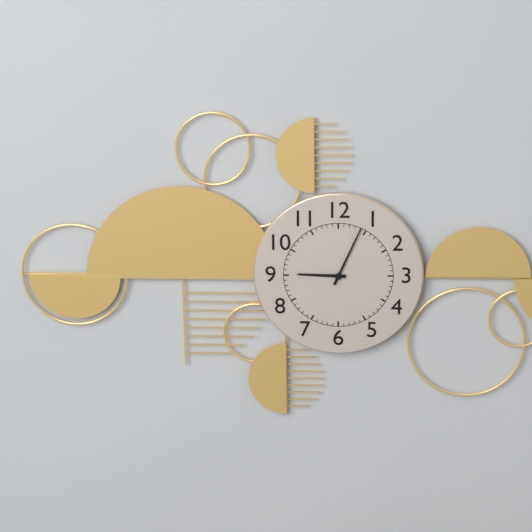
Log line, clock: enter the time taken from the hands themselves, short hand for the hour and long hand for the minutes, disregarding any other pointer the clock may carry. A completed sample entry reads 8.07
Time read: 9.04
